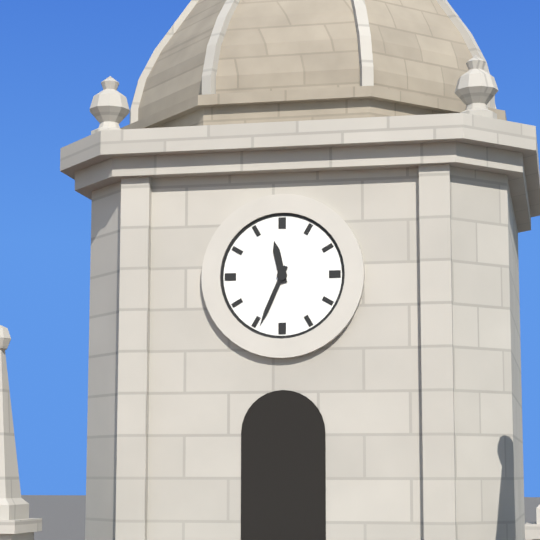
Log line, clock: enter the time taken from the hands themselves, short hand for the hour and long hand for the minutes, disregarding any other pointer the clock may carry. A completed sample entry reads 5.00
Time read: 11.34
